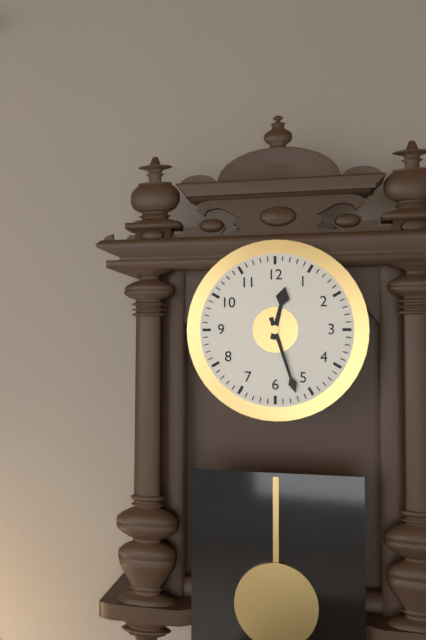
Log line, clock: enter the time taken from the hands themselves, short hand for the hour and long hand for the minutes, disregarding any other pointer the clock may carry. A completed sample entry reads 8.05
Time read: 12.27
